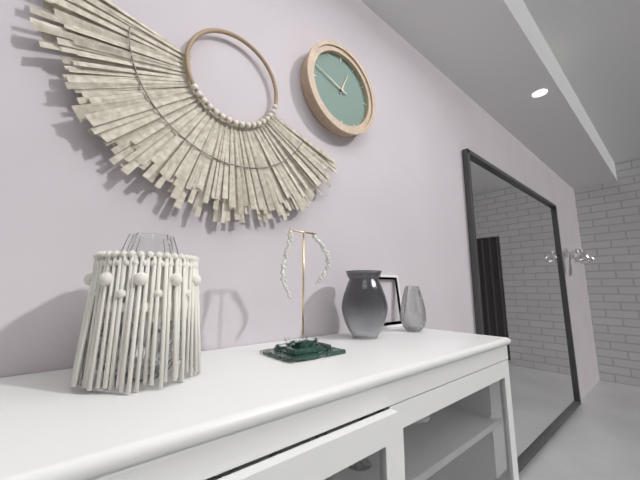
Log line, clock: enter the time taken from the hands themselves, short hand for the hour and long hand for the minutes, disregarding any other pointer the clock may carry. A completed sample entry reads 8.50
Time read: 12.48
